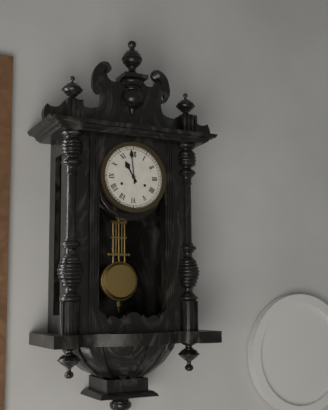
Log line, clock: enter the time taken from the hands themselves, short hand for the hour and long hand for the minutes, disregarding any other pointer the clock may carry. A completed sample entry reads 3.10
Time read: 10.59
